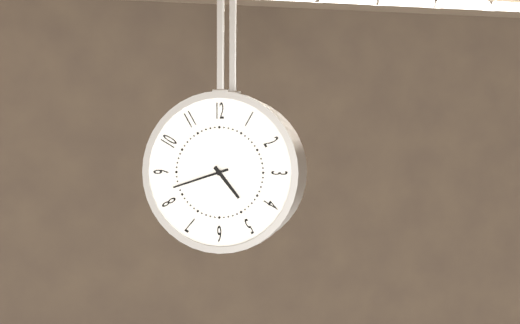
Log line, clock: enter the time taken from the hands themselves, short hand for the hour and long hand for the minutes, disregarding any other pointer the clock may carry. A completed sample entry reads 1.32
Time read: 4.42
